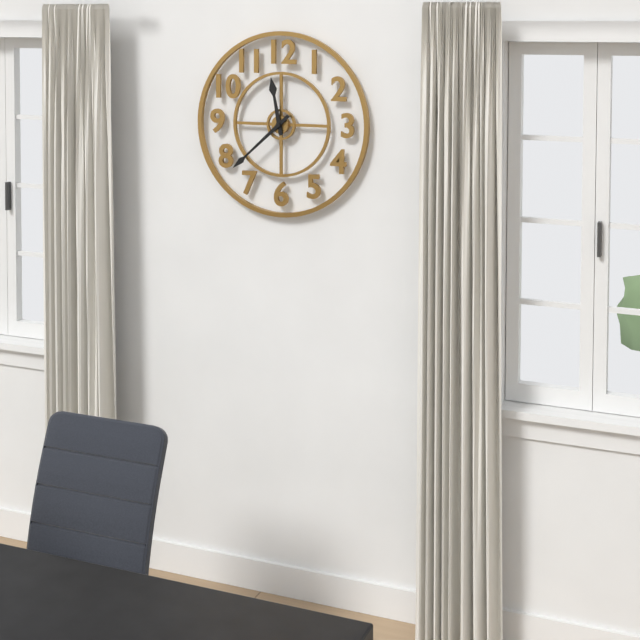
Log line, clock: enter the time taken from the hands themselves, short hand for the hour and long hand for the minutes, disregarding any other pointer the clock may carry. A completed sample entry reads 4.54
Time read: 11.38
